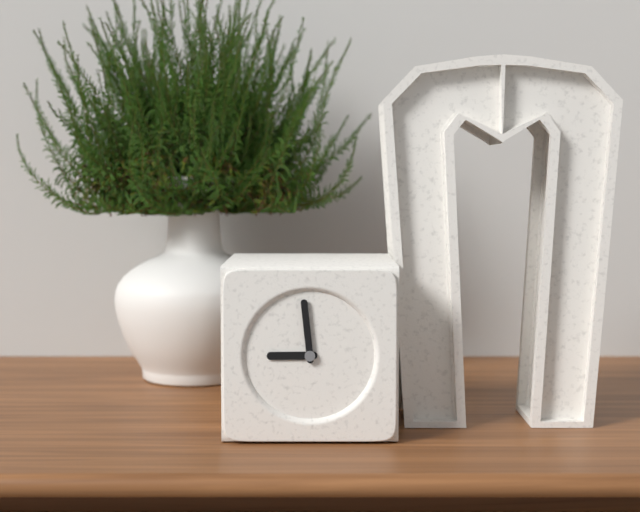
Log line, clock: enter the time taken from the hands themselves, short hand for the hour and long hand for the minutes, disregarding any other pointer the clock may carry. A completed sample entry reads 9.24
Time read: 8.59
